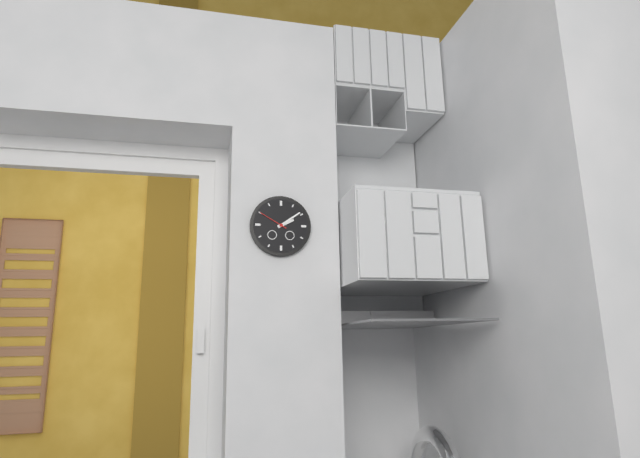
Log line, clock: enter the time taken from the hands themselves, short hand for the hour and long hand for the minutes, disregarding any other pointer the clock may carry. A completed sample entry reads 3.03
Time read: 2.09
